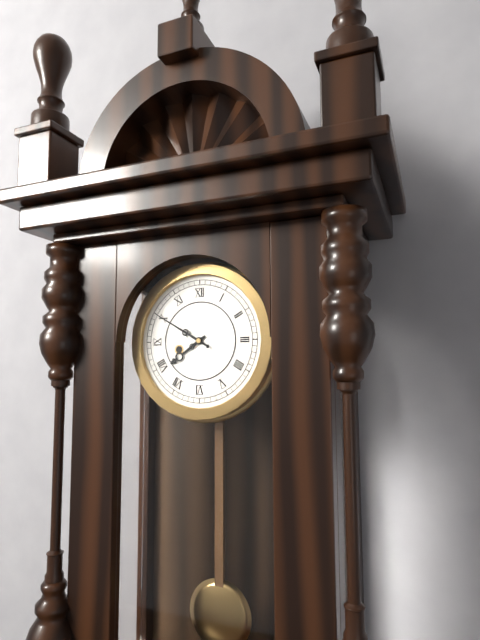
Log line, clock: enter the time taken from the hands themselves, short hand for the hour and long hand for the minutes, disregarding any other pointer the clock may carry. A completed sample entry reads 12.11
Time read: 7.50
